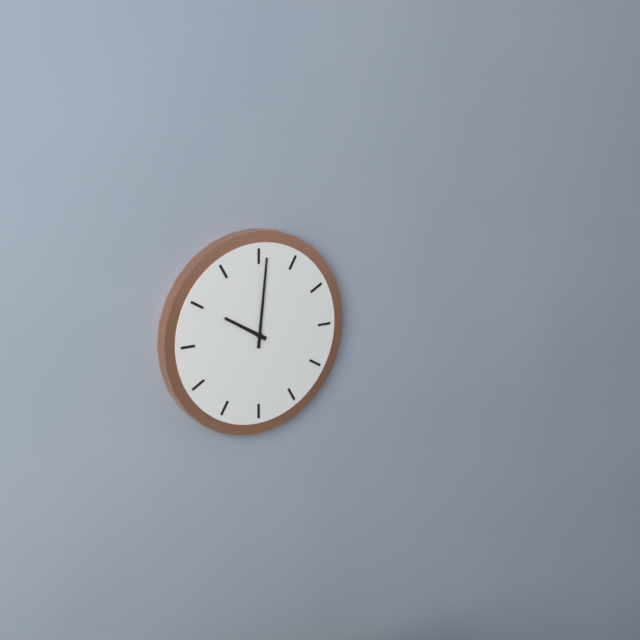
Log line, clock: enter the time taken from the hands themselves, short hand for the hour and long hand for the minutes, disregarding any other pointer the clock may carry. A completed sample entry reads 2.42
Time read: 10.01
